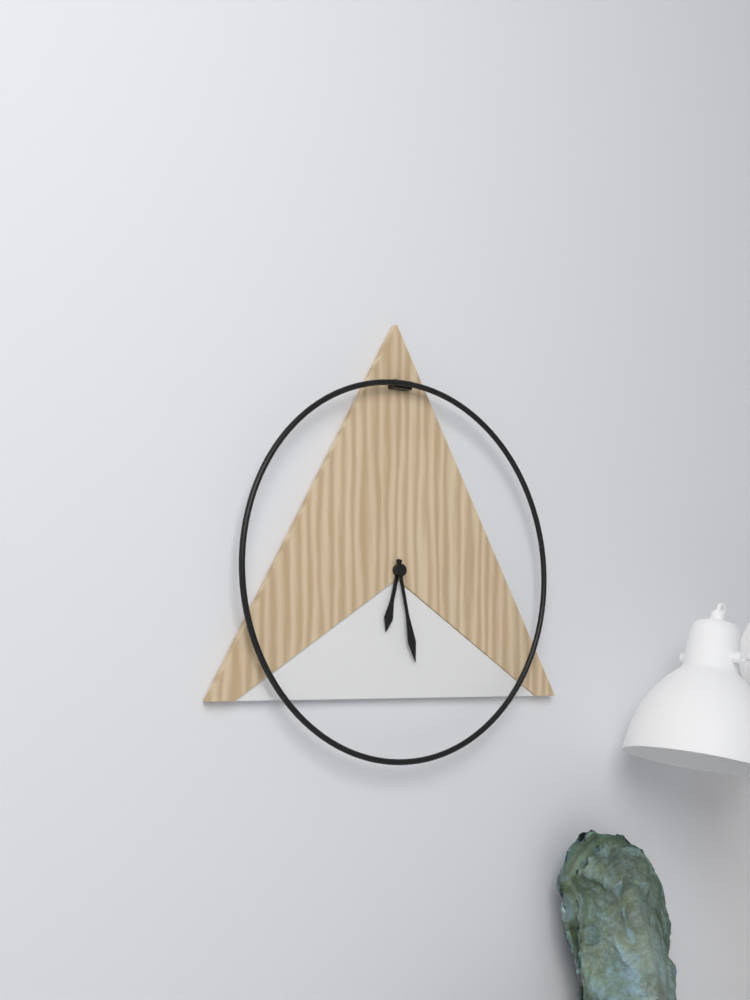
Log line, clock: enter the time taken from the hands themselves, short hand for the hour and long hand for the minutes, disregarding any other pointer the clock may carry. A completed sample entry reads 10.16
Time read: 6.28
